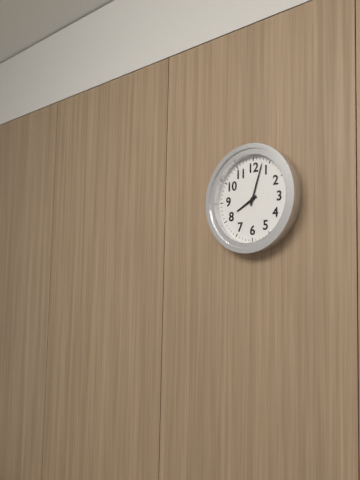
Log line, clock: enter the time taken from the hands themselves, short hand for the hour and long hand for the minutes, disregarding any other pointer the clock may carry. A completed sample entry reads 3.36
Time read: 8.03
